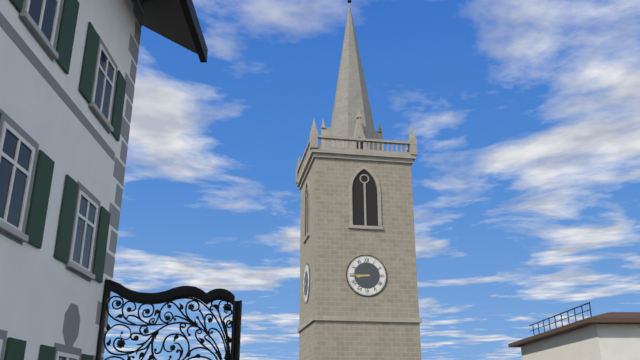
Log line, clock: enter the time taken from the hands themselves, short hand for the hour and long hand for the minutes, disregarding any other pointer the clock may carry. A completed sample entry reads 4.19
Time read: 8.45
